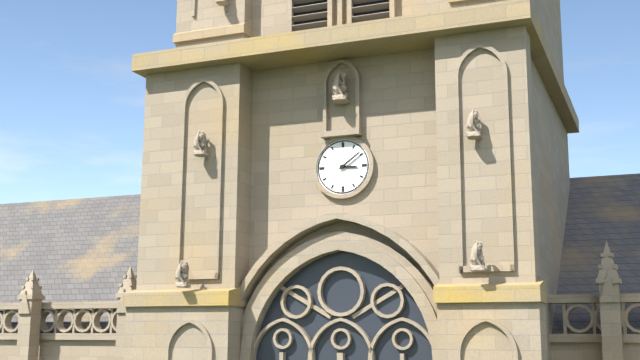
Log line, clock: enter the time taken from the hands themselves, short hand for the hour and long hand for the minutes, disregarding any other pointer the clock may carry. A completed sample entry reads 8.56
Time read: 3.09
